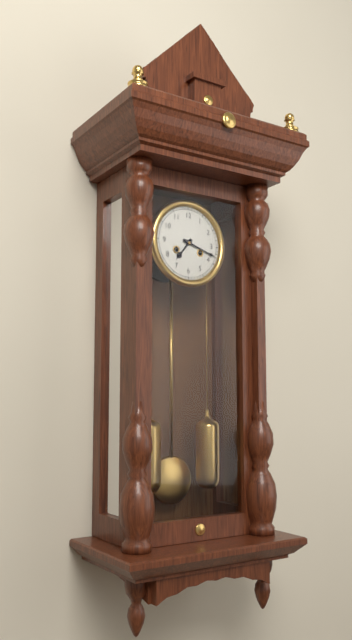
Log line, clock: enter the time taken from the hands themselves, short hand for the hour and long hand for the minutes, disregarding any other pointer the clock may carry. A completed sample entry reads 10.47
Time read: 7.18
